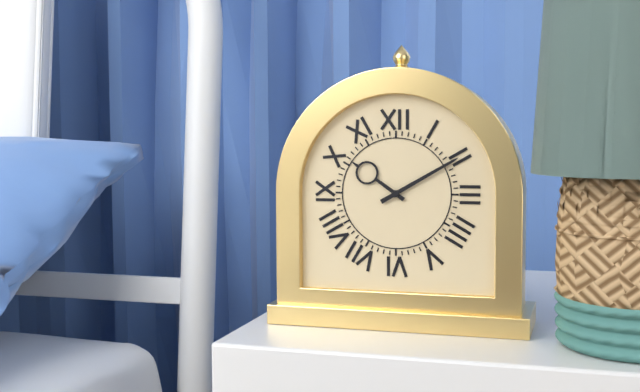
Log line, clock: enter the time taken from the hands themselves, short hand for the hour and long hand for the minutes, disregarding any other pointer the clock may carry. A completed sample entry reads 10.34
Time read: 10.10
